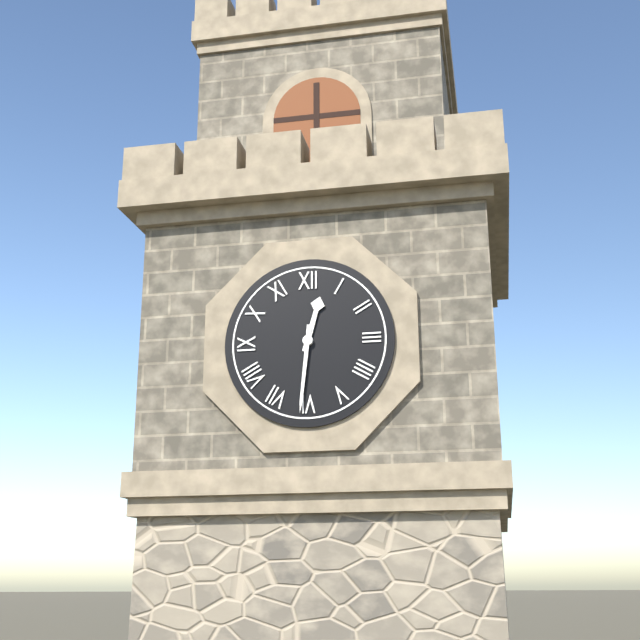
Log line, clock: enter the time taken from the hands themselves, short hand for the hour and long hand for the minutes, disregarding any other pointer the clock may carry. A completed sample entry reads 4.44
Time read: 12.31
